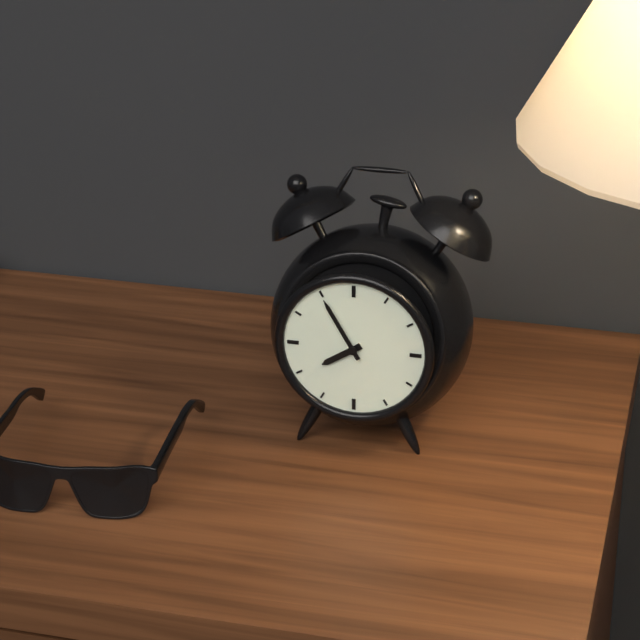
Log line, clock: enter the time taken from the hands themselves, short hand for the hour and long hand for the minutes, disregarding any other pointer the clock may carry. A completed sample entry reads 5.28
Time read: 7.55
